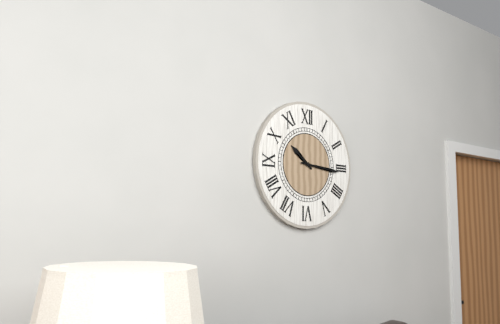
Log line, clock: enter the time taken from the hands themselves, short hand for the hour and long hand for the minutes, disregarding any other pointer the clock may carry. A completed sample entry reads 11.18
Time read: 10.16
